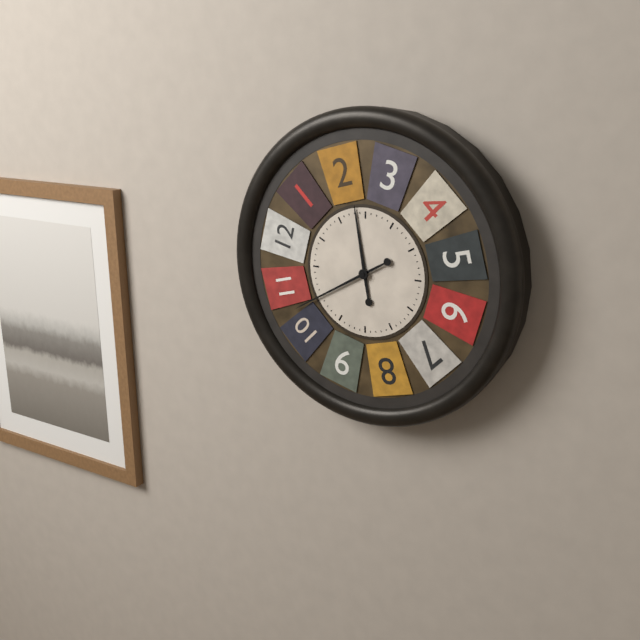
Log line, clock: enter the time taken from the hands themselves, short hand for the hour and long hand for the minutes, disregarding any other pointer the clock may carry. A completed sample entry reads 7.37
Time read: 11.40
